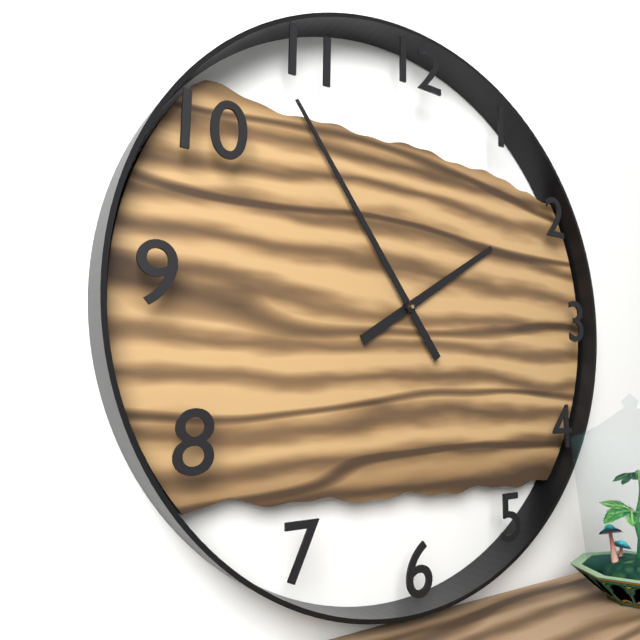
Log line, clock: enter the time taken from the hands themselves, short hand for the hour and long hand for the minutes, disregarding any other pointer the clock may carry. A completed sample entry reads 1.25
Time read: 1.54
